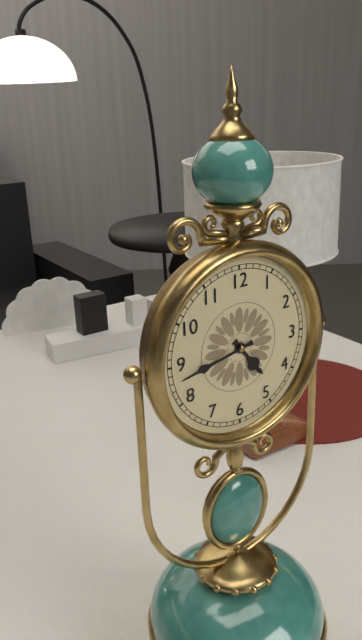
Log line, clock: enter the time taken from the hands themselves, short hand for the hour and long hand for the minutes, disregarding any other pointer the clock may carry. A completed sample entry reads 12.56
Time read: 4.43
